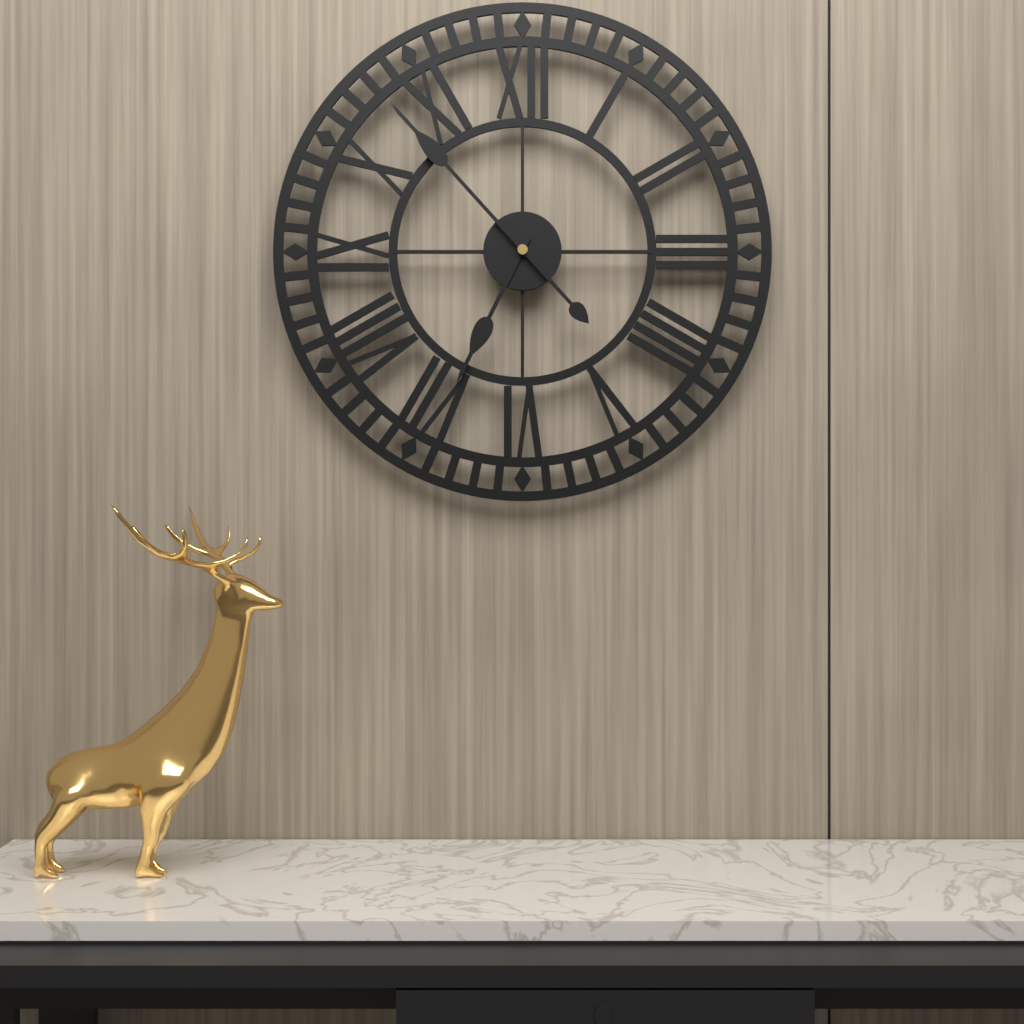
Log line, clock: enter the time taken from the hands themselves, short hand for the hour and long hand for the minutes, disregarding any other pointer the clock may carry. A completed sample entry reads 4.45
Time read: 6.53
